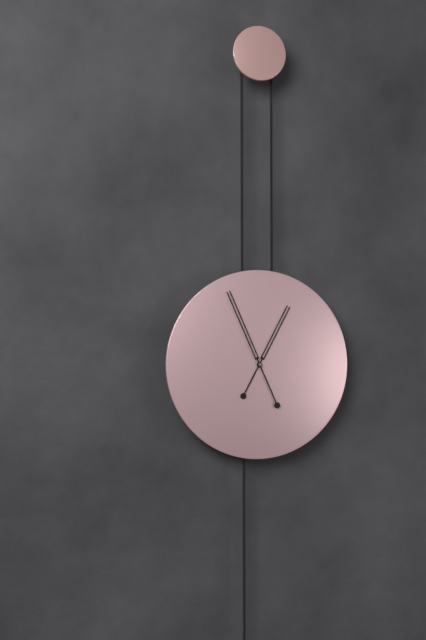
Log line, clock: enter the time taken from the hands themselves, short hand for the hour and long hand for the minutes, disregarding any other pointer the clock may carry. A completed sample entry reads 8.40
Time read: 12.56
